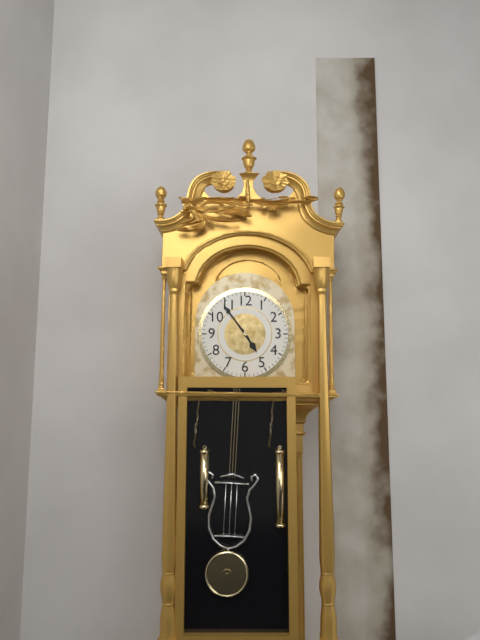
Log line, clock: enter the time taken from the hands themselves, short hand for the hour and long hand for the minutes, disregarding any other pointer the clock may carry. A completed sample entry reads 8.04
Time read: 4.54
